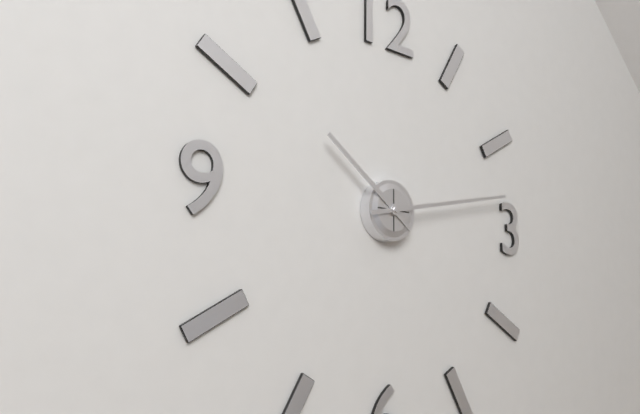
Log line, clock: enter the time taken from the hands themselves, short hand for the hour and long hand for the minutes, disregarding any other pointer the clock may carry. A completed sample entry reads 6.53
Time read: 10.13
